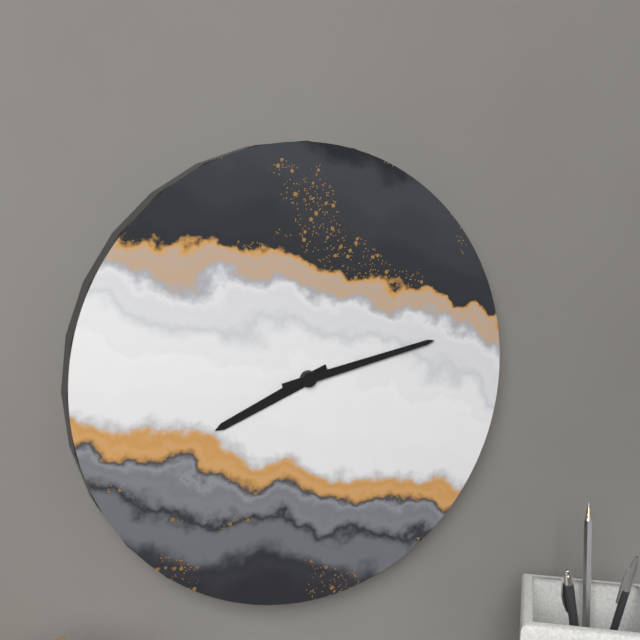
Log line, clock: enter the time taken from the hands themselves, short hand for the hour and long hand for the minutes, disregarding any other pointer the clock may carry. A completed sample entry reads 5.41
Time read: 8.13
